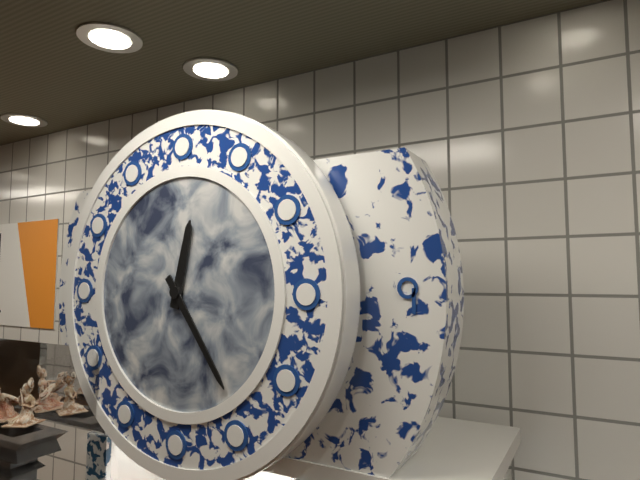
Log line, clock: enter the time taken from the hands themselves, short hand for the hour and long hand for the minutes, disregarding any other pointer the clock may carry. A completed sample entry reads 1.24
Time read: 12.24
